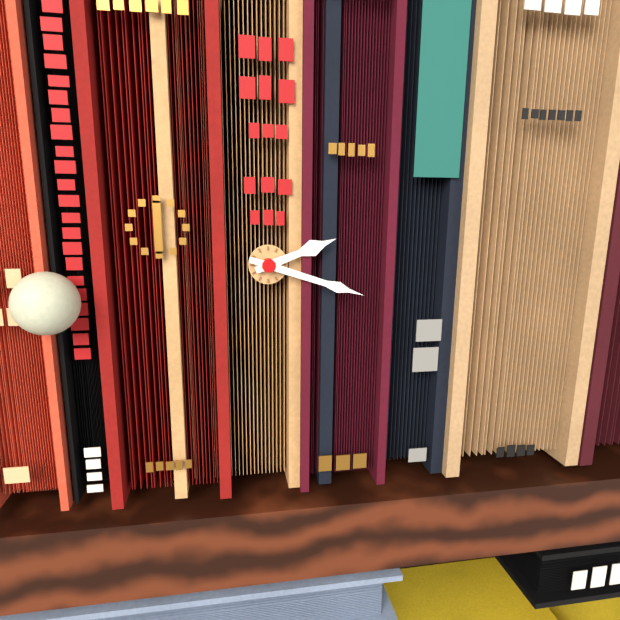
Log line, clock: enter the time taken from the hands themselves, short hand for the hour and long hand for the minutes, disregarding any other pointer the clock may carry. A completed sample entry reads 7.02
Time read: 2.18
